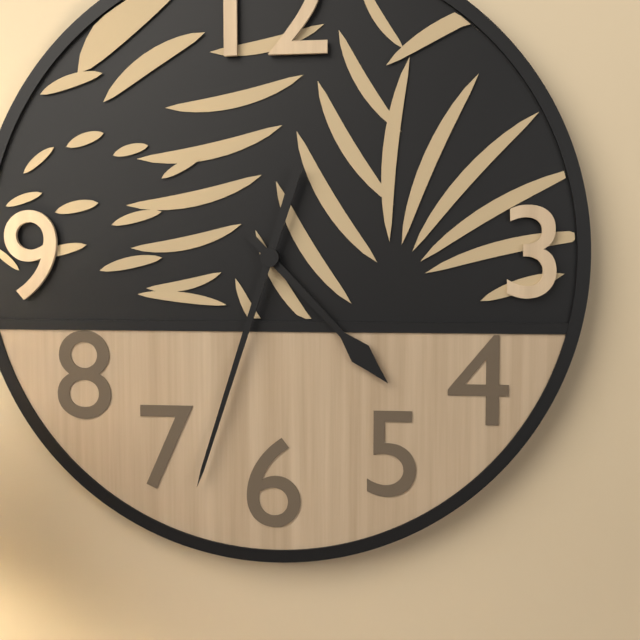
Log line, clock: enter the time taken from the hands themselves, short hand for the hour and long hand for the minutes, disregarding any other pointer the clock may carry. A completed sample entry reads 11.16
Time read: 4.33
